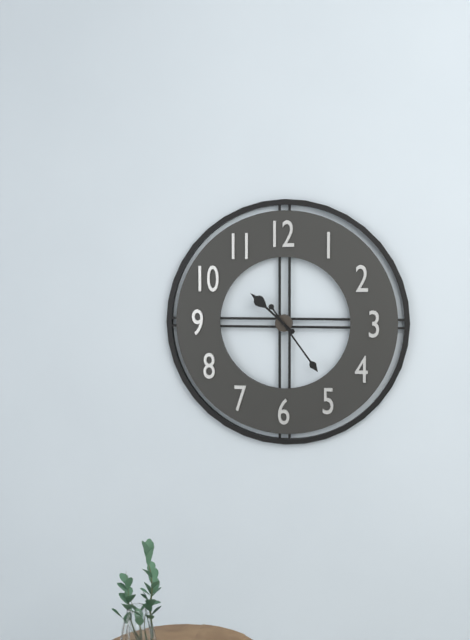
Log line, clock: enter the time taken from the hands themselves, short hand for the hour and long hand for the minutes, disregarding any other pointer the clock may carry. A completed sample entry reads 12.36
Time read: 10.24
